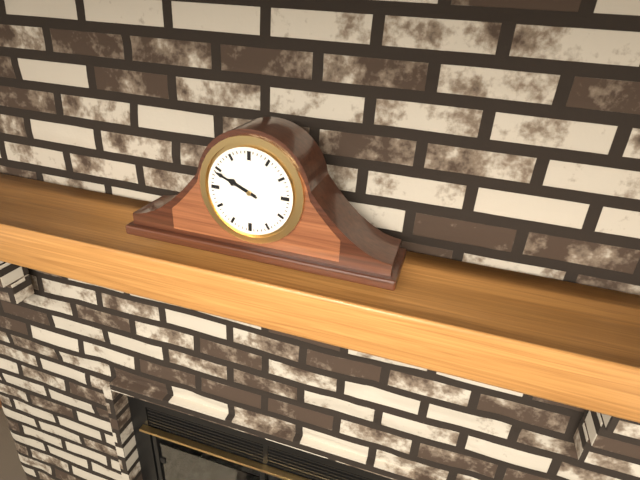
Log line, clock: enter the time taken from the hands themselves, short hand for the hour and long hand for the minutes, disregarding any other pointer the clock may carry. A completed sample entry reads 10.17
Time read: 9.49
